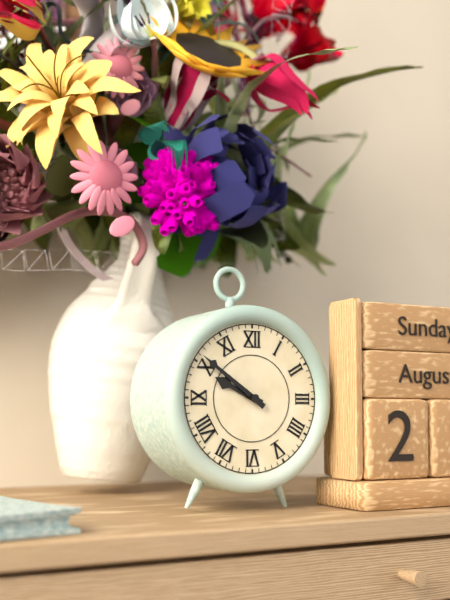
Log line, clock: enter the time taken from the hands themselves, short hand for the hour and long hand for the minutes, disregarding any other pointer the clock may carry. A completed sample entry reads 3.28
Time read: 9.51
